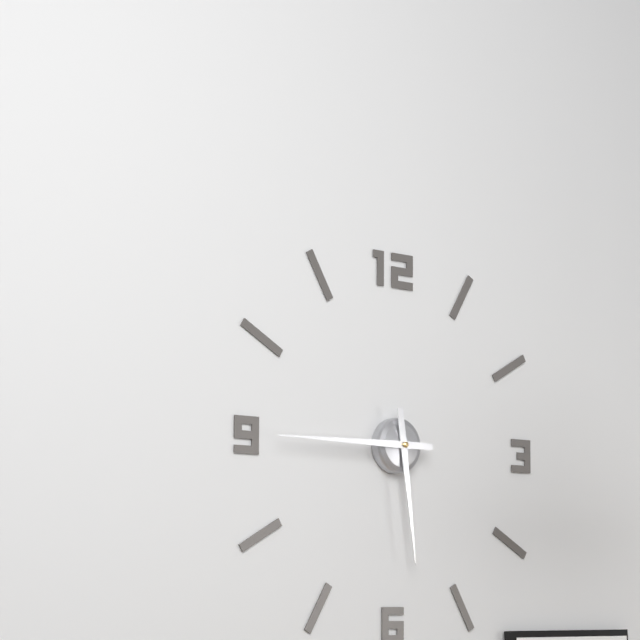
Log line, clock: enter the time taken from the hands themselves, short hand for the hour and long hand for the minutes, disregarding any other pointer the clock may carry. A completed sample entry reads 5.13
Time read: 5.45
